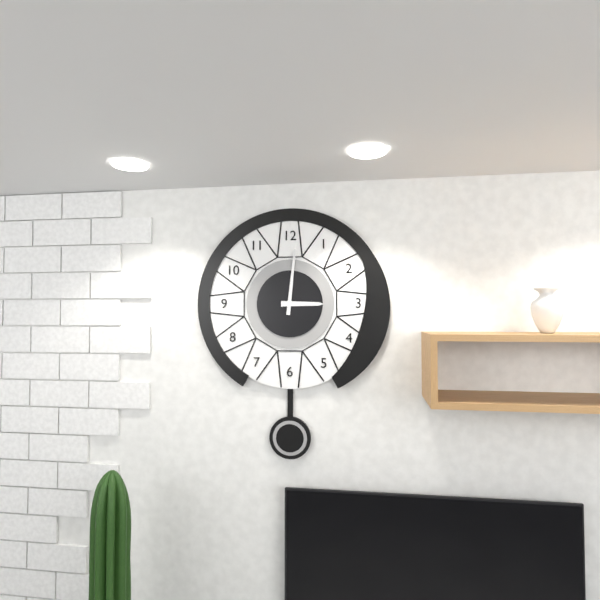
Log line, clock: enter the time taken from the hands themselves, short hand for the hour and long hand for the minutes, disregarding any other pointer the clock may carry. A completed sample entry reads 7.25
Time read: 3.01
